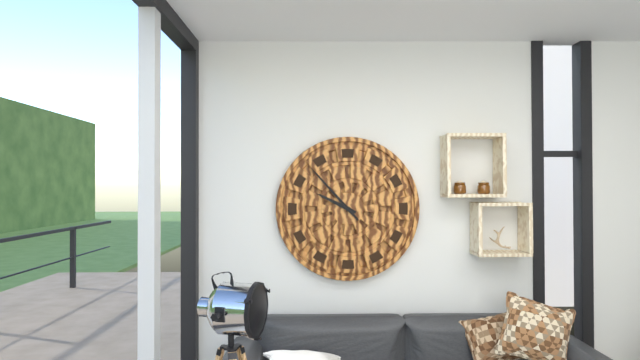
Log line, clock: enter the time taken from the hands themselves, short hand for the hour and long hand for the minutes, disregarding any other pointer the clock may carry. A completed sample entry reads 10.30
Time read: 9.53
